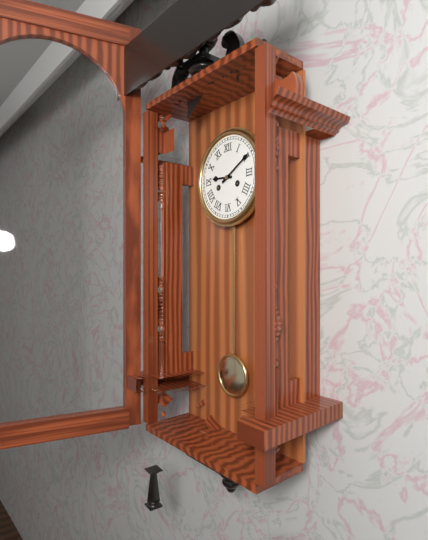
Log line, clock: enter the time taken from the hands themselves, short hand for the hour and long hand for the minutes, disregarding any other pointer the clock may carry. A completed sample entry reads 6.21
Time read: 9.10
